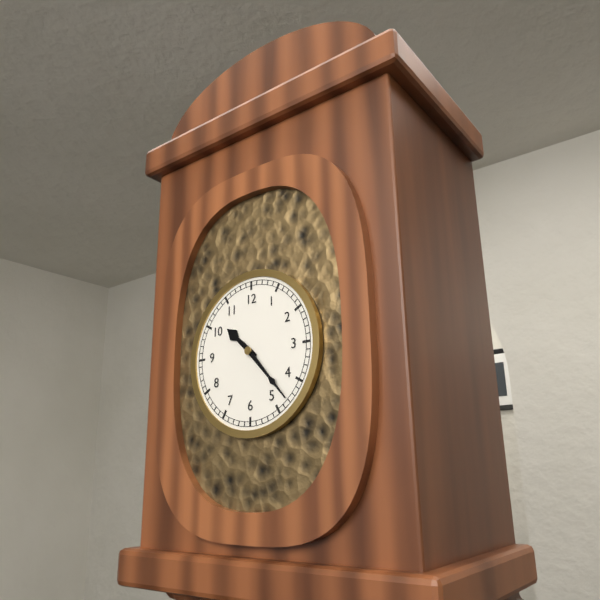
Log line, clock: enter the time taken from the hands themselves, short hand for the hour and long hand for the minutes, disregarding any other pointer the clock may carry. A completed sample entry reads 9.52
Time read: 10.23
